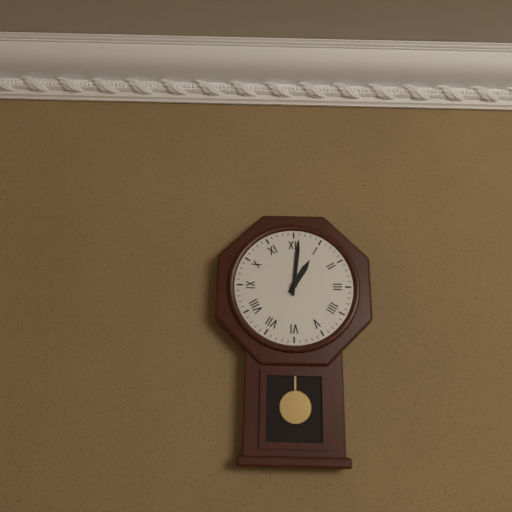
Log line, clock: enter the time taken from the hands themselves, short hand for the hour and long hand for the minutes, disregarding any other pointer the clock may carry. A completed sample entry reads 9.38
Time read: 1.01
